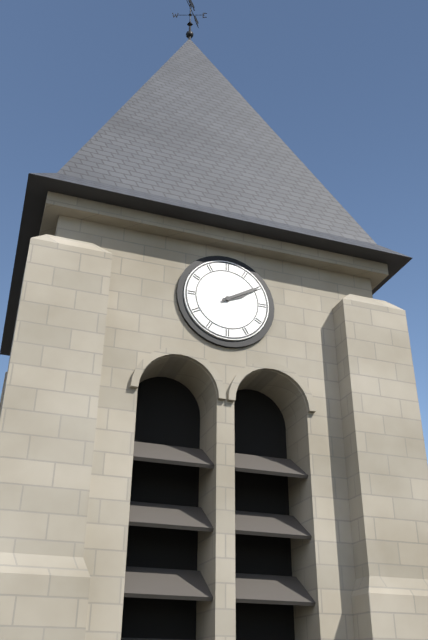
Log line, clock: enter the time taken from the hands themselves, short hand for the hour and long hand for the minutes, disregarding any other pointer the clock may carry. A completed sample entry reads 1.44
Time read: 2.10
